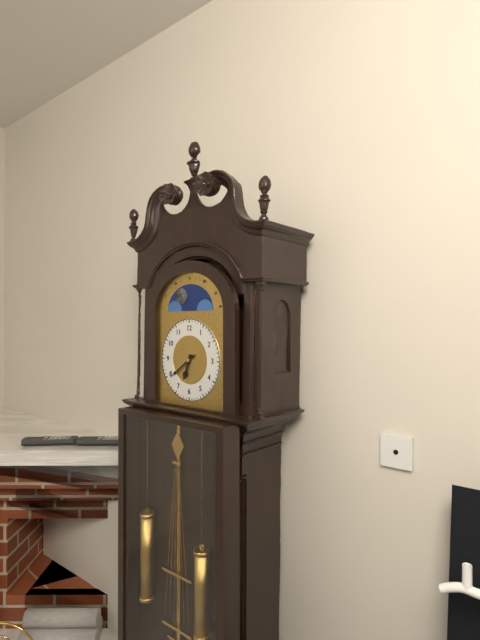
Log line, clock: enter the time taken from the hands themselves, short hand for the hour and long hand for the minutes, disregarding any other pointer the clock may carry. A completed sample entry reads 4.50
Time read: 6.39
